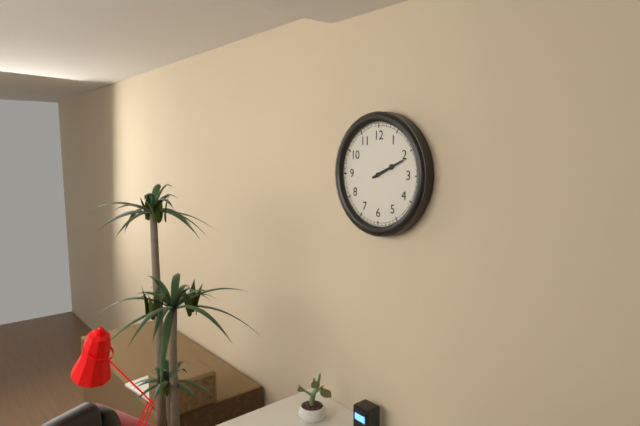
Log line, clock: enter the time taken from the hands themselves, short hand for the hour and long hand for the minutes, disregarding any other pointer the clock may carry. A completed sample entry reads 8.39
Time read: 2.11
